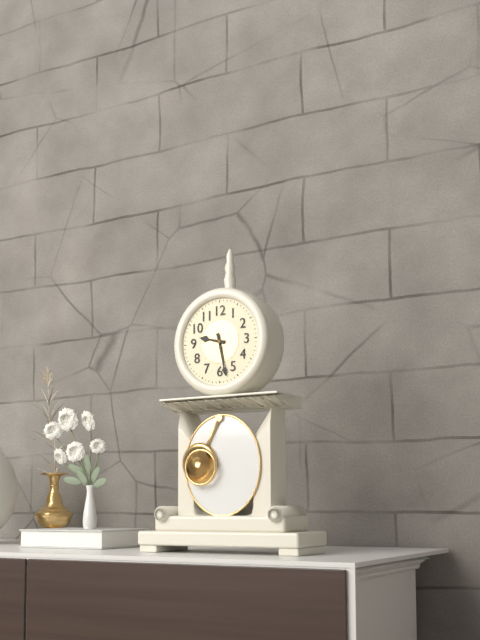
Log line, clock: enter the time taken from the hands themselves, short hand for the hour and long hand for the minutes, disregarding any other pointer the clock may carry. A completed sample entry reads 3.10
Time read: 9.28
